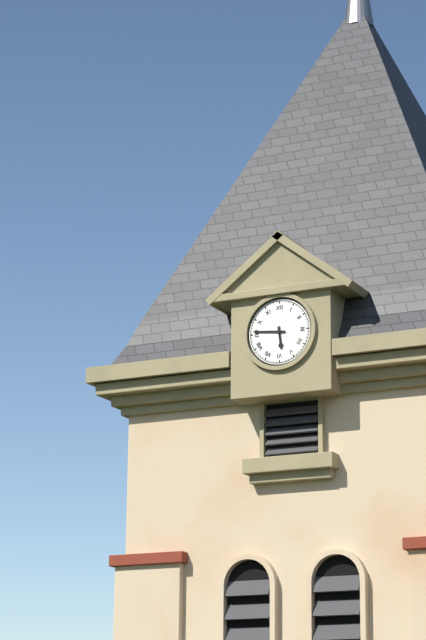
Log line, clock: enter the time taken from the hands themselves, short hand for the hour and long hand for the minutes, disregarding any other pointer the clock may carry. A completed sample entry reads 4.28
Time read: 5.46
